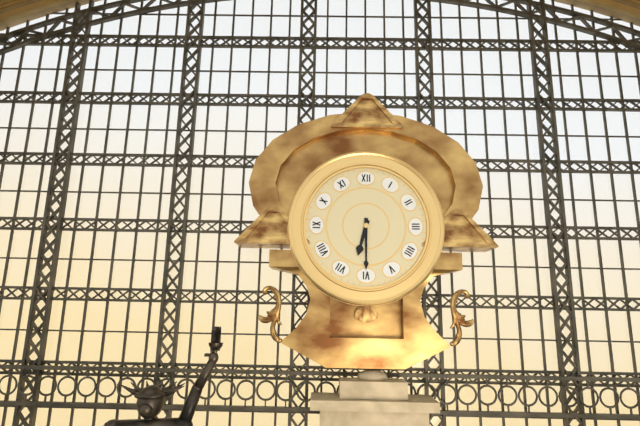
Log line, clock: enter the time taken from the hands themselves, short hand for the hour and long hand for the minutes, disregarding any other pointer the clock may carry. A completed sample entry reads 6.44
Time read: 6.30
